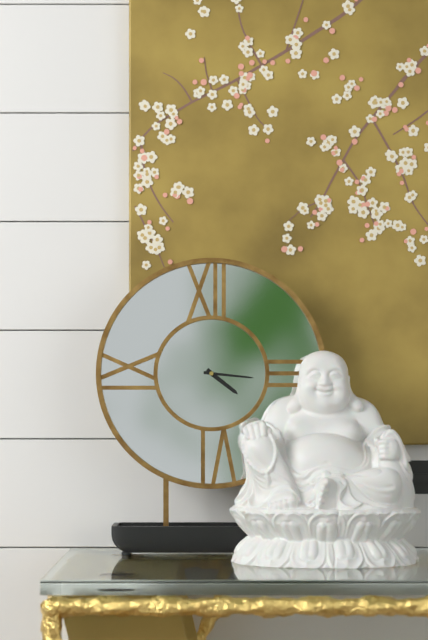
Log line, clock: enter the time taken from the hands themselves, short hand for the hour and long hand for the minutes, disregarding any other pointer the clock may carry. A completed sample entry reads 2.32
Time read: 4.16
